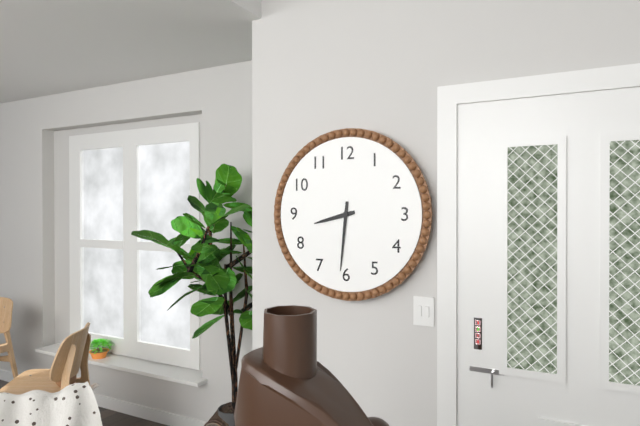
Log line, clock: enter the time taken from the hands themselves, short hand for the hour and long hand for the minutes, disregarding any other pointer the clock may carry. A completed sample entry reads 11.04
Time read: 8.31
